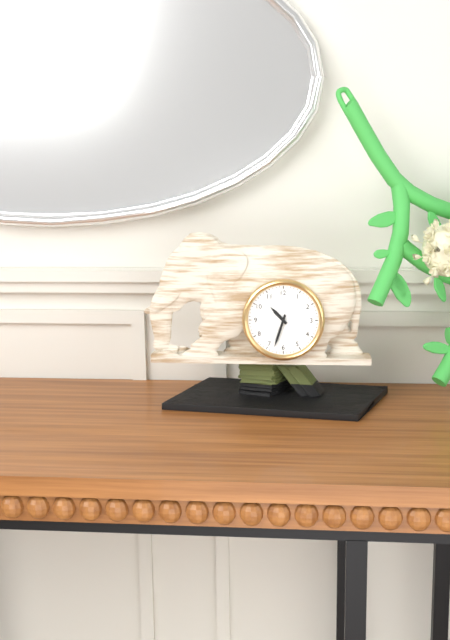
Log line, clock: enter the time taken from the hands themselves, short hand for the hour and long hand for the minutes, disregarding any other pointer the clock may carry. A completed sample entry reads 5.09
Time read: 10.33
